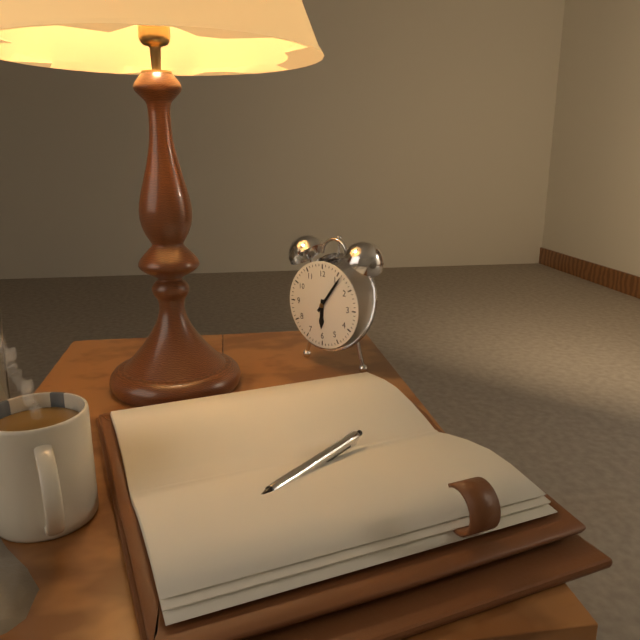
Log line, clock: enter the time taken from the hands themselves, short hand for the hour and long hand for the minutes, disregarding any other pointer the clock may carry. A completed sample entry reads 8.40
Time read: 6.06
